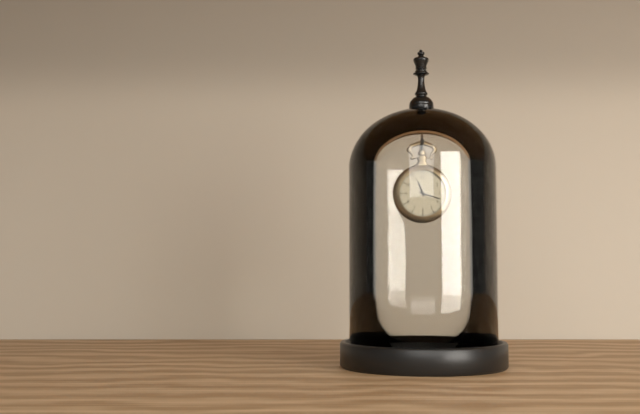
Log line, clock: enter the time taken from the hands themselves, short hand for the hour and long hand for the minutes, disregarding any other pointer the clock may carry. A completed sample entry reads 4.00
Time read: 11.18
